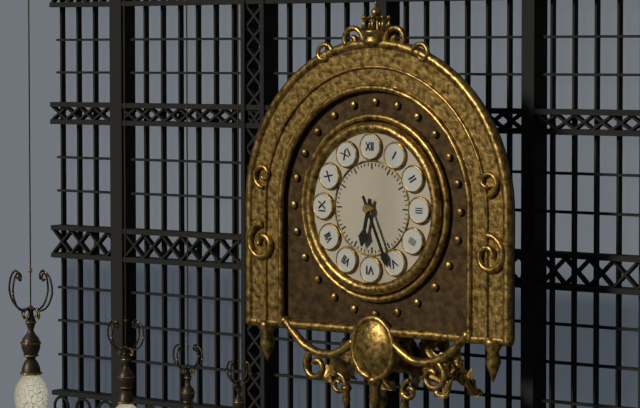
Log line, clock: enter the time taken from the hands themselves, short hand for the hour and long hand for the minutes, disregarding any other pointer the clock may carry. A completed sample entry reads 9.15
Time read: 6.26
